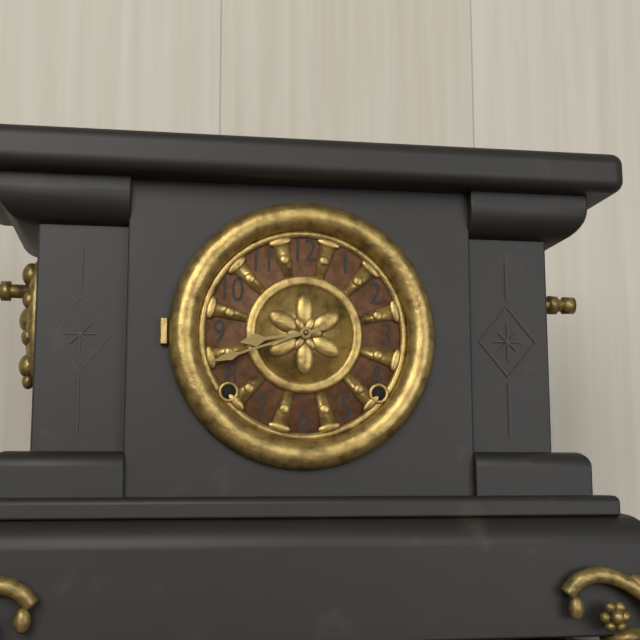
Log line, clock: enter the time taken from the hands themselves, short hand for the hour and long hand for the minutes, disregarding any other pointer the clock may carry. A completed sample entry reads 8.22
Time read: 8.42
